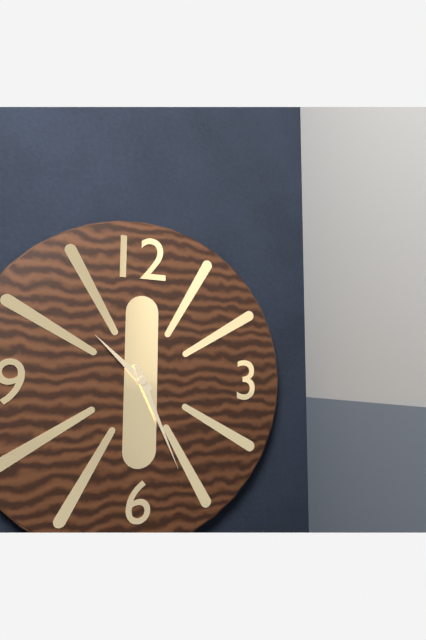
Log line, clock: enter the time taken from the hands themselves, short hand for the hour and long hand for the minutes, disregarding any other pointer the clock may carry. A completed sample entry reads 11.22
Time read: 10.26
